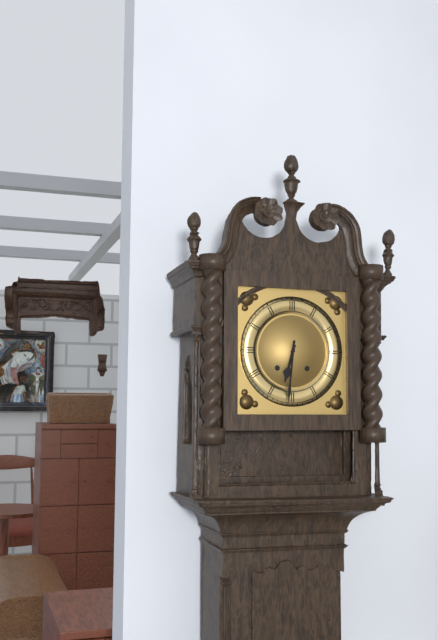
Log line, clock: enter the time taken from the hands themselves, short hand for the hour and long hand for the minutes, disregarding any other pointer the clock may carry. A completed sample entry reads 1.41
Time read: 6.31
